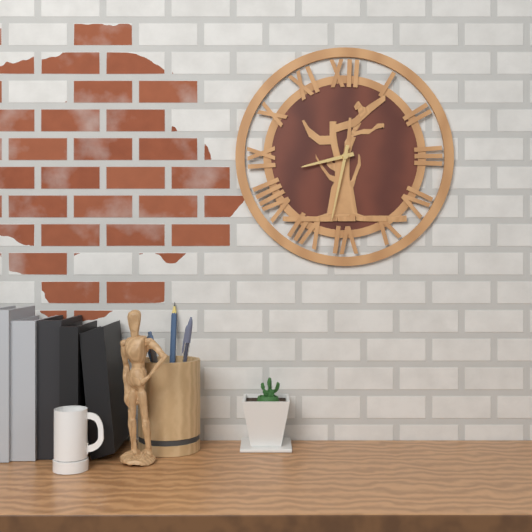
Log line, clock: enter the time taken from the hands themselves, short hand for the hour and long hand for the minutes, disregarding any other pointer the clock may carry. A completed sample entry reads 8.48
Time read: 8.32
